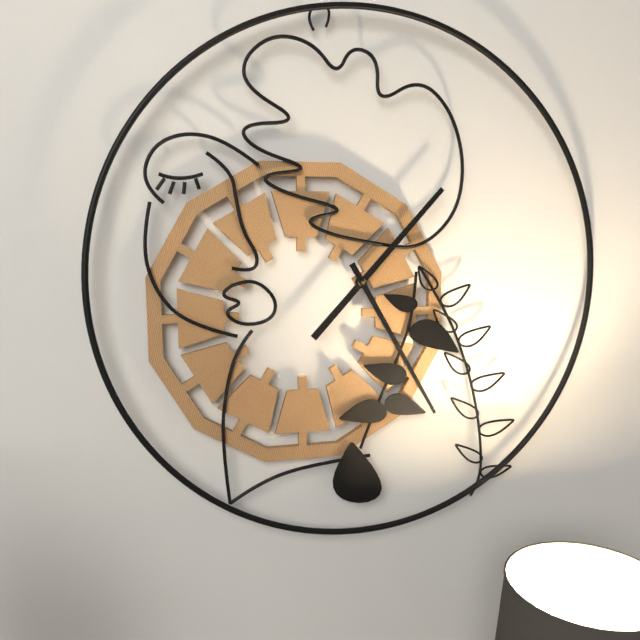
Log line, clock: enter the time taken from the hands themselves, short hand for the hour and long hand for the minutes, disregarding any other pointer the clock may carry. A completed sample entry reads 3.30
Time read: 1.25
